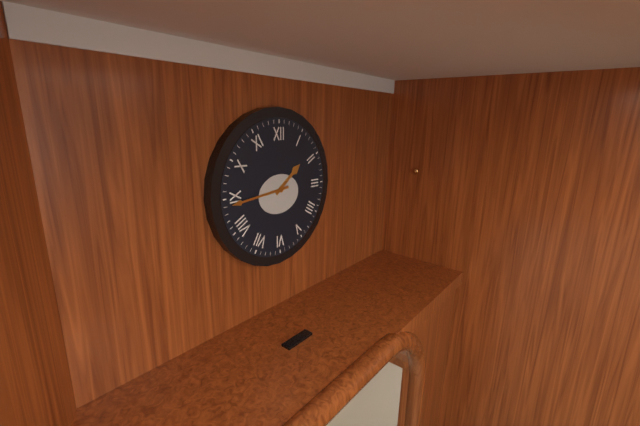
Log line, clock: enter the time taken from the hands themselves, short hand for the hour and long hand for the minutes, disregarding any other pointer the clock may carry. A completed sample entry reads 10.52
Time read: 1.44
